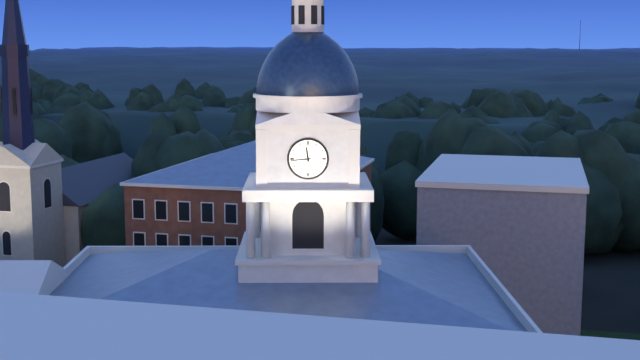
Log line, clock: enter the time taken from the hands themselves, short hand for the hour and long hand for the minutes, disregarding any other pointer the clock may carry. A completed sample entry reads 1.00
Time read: 11.44
